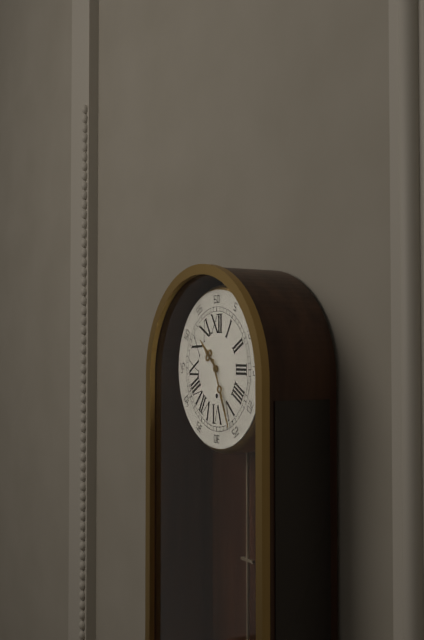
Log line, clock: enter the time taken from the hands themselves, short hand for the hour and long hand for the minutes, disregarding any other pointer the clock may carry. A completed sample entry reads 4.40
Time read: 10.26
